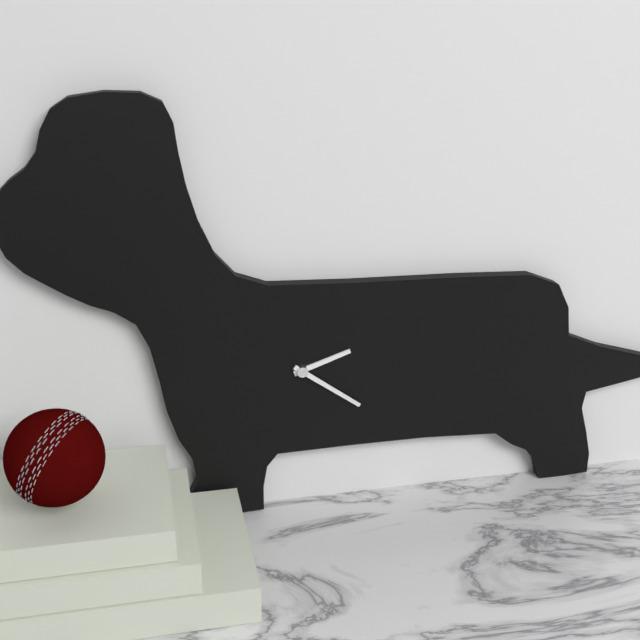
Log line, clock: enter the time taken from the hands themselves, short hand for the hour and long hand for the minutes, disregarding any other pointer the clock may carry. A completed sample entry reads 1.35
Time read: 2.21
